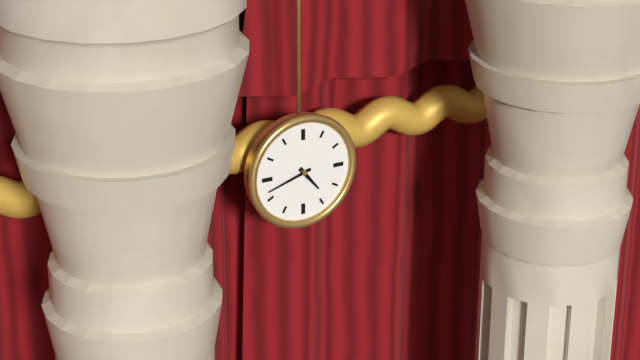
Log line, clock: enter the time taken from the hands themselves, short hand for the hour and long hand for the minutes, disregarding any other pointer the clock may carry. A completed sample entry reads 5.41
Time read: 4.42
